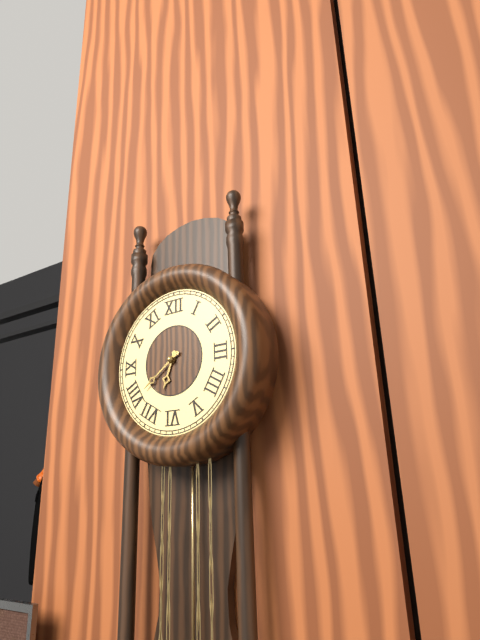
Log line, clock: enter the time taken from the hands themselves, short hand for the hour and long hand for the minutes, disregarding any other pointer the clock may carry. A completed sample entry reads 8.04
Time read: 6.39
